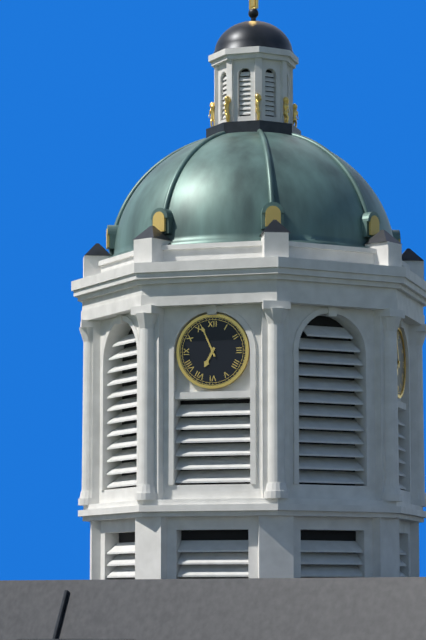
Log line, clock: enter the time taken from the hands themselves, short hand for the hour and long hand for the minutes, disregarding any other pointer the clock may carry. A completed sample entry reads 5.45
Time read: 6.56
